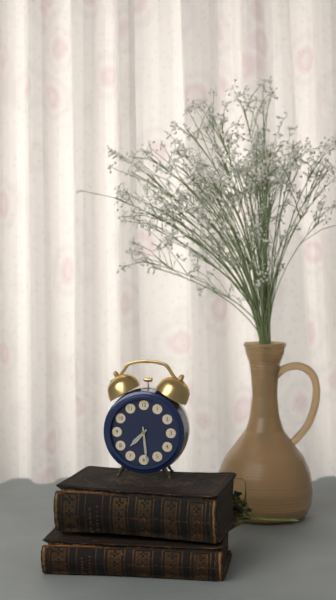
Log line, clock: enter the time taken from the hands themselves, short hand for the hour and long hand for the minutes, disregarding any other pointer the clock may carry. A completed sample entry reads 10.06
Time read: 7.29
